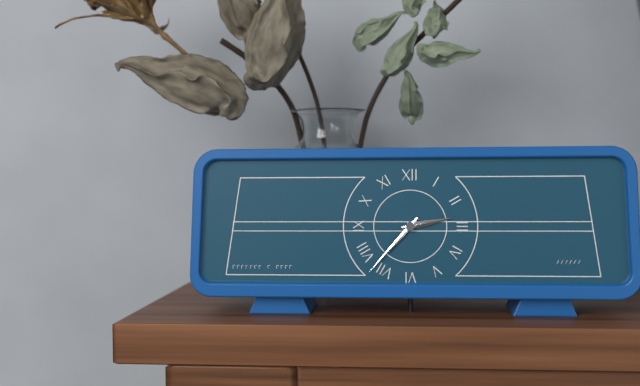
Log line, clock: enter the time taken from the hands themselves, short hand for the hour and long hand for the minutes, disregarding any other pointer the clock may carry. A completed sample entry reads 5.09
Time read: 2.37
